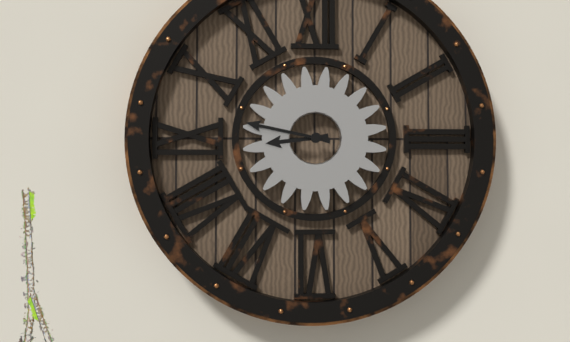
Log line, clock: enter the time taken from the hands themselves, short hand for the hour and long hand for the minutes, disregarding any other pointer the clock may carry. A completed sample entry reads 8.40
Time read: 8.47
